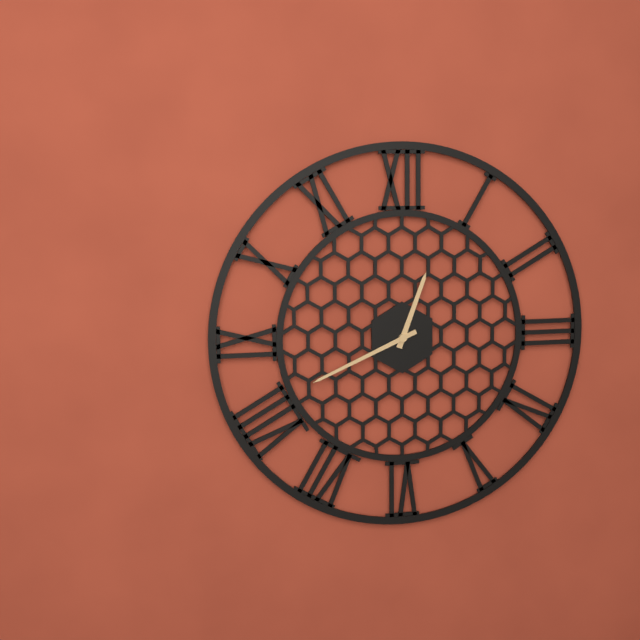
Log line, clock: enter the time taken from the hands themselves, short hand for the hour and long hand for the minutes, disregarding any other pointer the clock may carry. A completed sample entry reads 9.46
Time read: 12.41
